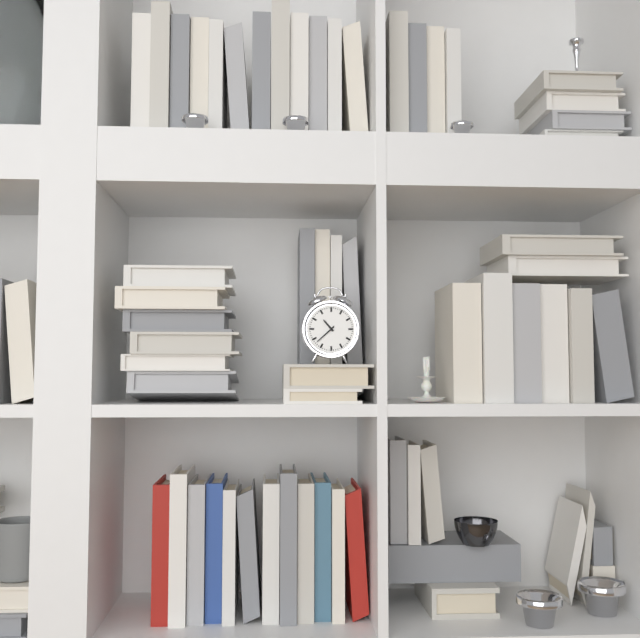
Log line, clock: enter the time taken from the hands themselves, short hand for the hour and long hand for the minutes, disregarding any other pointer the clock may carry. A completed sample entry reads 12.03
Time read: 10.38
